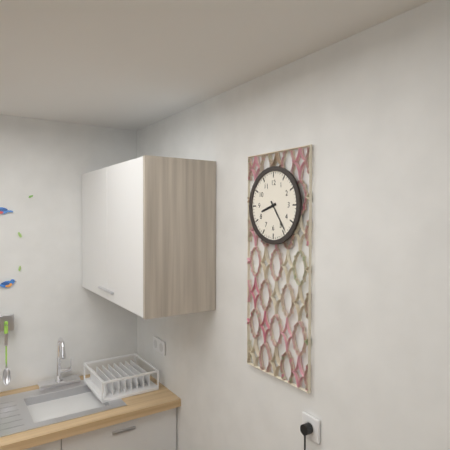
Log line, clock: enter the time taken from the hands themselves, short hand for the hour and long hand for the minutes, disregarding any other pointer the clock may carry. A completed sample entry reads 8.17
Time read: 8.24
